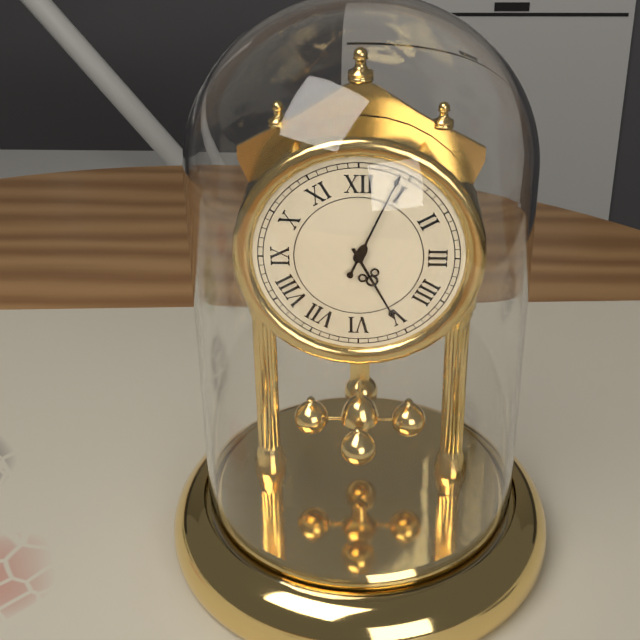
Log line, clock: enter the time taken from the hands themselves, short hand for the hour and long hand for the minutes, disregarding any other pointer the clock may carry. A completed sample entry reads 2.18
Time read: 5.04
